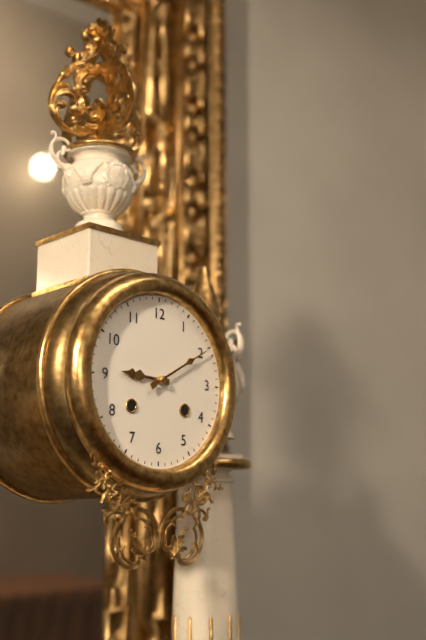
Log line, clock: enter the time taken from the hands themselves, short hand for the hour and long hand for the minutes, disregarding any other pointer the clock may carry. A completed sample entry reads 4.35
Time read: 9.10
